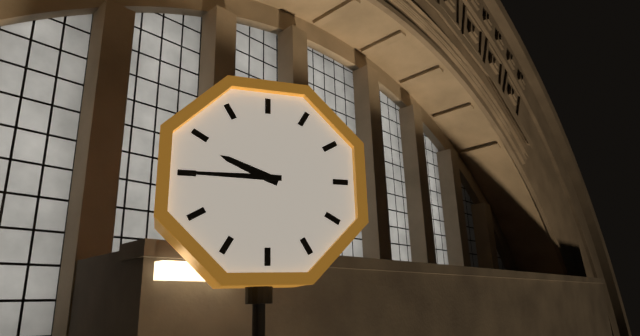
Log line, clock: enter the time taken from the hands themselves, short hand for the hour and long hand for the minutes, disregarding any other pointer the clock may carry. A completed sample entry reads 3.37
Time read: 9.45
